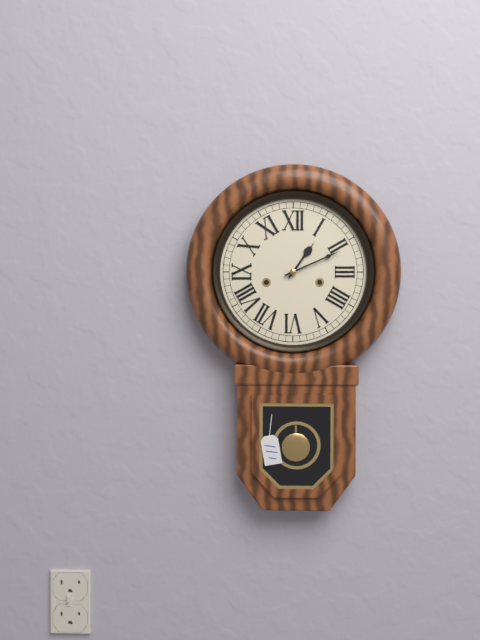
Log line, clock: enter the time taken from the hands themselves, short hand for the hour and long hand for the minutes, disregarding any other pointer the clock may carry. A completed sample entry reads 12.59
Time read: 1.11
